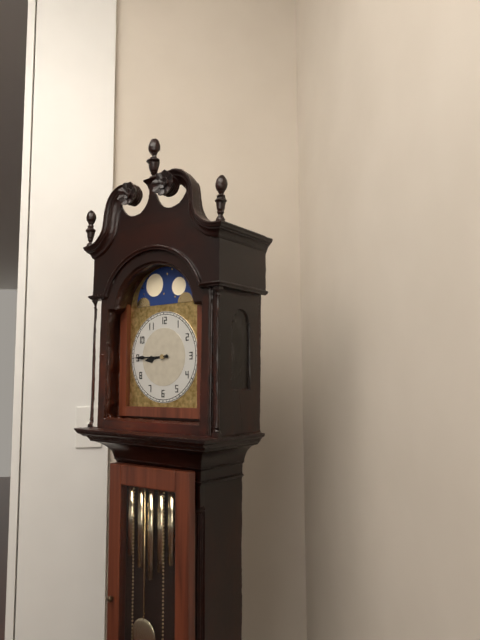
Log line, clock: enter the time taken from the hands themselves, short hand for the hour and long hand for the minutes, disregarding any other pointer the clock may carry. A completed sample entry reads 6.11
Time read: 8.45
